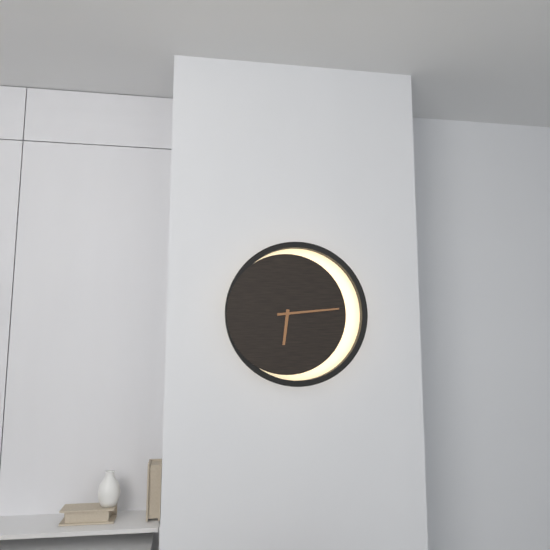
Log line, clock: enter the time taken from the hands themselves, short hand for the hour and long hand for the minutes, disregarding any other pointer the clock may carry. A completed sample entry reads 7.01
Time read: 6.14
